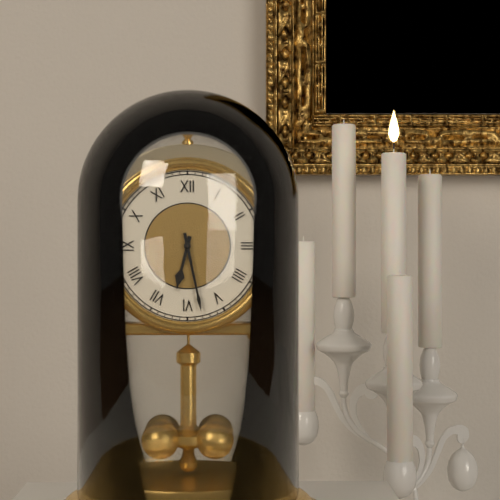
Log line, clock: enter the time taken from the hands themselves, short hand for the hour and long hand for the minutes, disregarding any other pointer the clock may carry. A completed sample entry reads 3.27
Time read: 6.28
